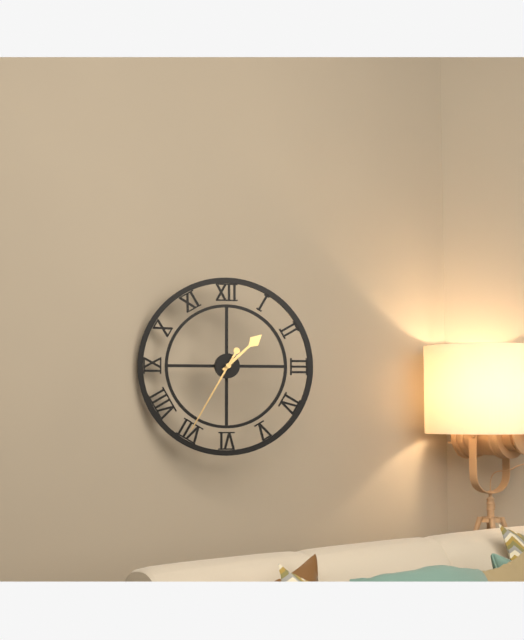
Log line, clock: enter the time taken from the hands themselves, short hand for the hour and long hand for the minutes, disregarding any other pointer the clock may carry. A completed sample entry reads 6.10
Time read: 1.35
